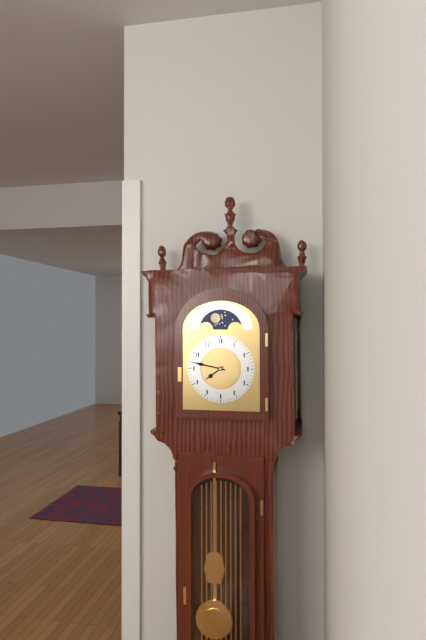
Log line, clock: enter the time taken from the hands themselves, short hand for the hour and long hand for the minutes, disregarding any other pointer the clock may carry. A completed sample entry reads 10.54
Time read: 7.47
